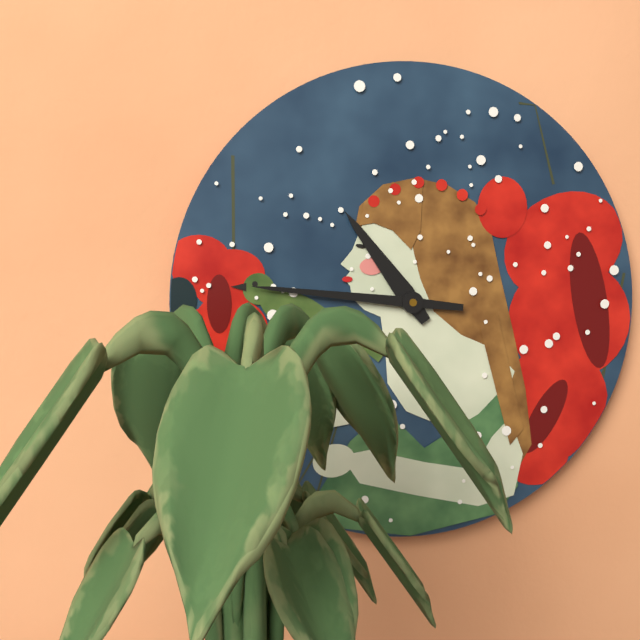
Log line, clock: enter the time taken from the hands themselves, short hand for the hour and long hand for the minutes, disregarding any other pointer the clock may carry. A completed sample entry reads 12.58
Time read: 10.46
